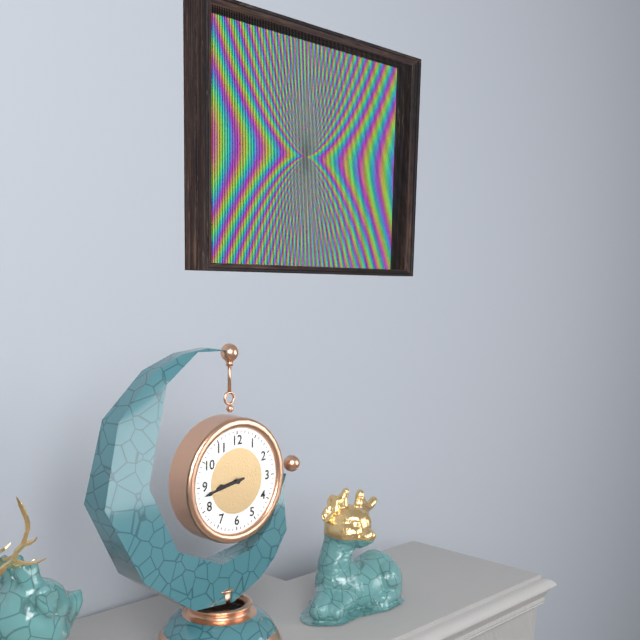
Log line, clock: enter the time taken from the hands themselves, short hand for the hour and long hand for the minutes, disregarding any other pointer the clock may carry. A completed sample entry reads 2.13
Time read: 8.43
